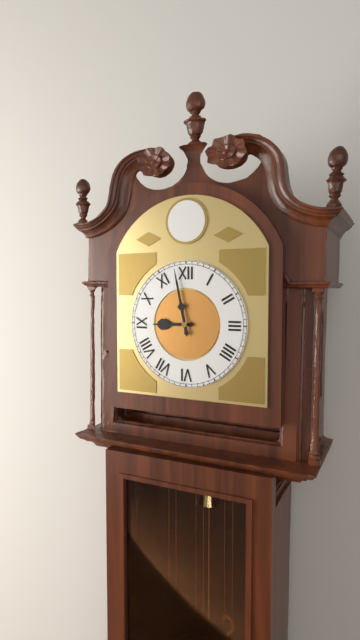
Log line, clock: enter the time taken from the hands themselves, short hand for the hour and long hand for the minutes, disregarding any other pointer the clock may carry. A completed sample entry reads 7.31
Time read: 8.58
